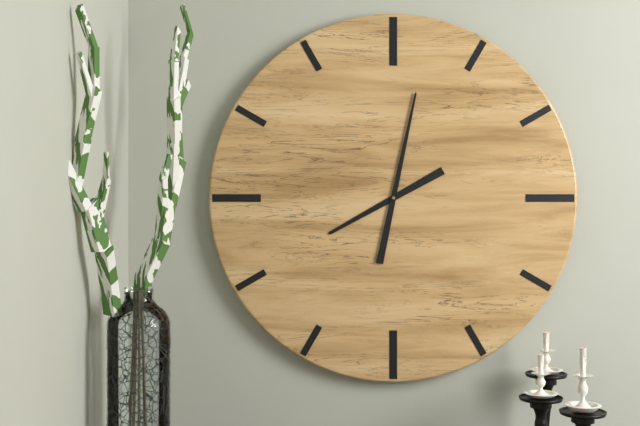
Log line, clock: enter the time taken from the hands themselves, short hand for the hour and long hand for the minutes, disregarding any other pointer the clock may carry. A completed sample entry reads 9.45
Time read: 8.02
